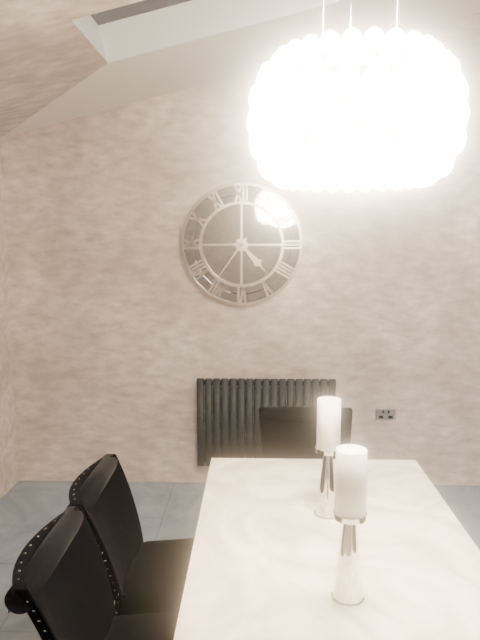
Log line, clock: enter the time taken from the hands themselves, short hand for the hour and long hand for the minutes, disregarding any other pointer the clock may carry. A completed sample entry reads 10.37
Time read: 4.36
